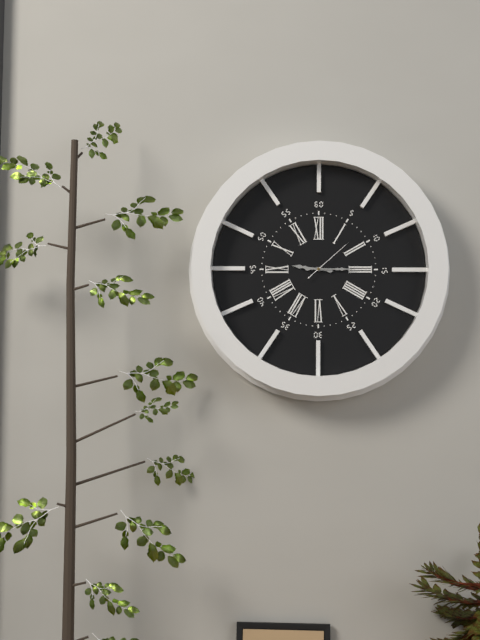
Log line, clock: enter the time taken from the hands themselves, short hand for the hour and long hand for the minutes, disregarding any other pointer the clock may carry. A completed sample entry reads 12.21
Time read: 9.15
